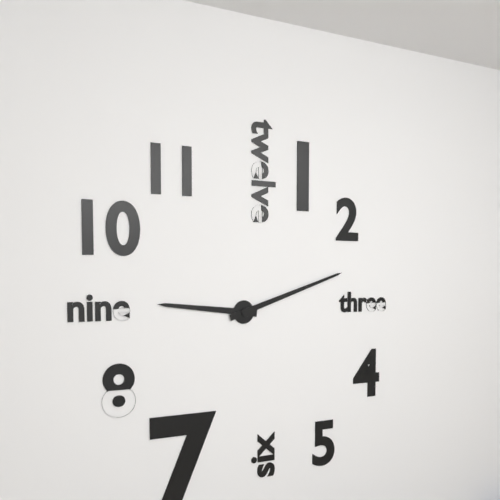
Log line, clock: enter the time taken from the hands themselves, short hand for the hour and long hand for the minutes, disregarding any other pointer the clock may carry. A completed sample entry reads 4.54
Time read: 9.12
